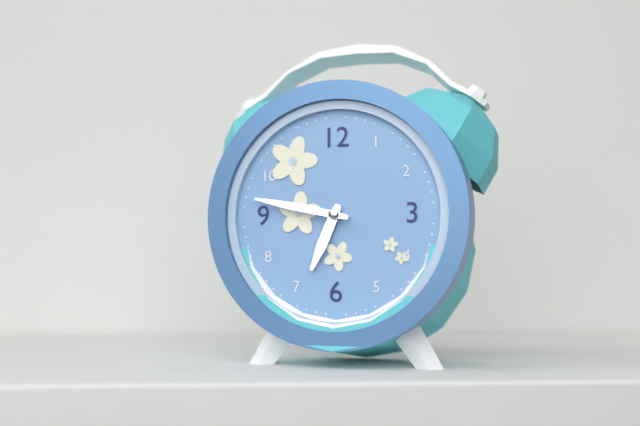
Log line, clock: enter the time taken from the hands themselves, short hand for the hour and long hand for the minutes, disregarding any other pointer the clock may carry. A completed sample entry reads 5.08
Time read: 6.47
